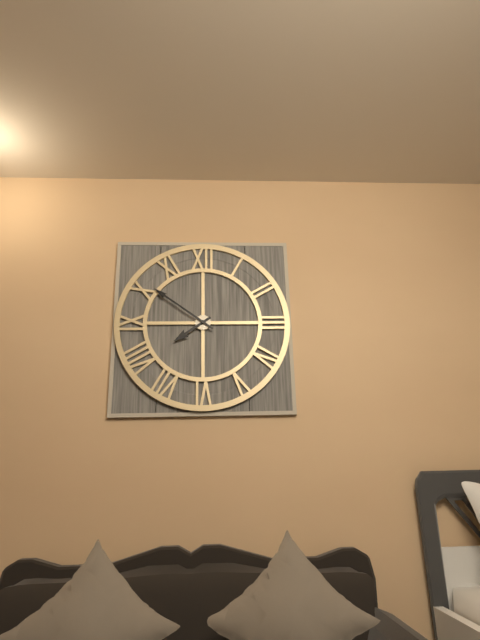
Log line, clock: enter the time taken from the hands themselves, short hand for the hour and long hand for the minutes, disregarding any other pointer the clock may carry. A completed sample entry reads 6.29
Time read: 7.51
